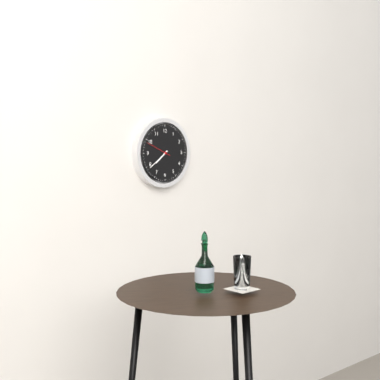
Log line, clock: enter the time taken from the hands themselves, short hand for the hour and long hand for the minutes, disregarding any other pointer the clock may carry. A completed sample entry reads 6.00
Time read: 7.39
